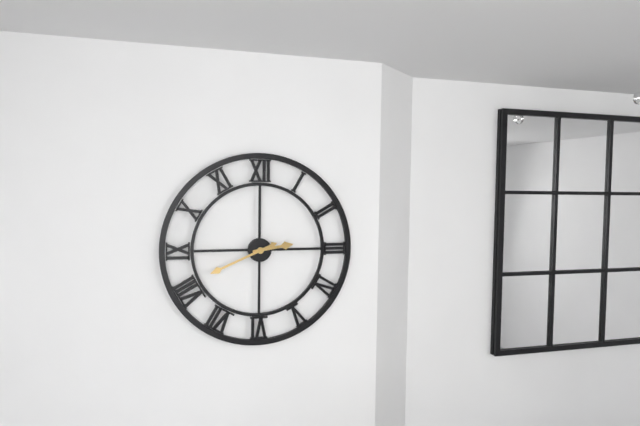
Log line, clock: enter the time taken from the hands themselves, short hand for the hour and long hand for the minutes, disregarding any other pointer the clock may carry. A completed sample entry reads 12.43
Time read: 2.41
